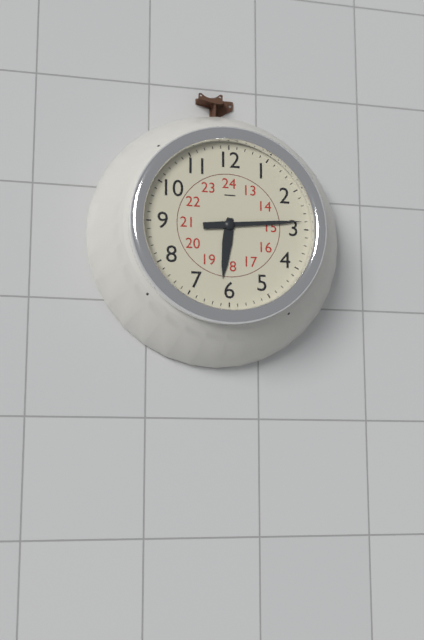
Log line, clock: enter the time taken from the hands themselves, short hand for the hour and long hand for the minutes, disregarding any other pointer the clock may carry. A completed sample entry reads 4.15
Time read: 6.14
